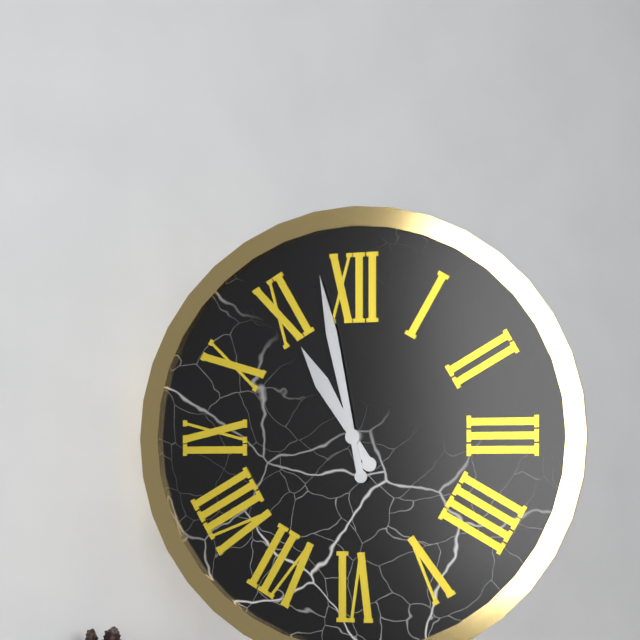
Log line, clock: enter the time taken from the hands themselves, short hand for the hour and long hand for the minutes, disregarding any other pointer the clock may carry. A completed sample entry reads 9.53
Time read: 10.58
